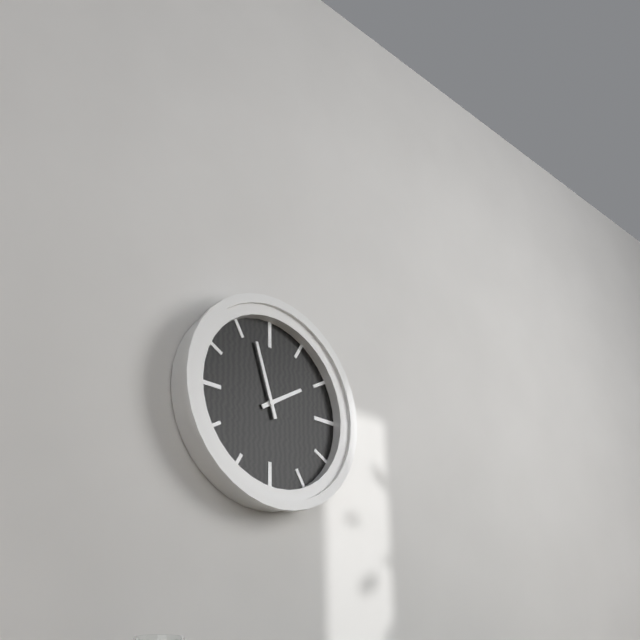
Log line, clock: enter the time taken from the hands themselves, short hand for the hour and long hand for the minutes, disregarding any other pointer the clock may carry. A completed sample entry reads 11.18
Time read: 1.57
